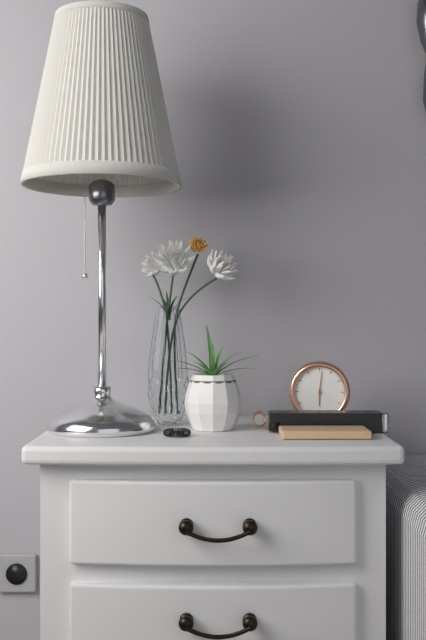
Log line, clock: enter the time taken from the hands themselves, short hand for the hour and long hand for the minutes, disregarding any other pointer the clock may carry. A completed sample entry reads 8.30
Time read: 6.01
